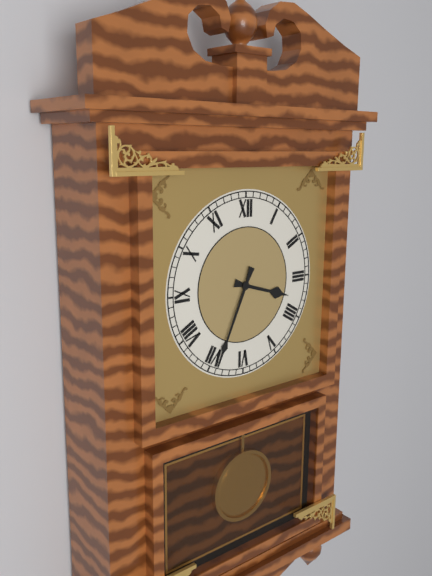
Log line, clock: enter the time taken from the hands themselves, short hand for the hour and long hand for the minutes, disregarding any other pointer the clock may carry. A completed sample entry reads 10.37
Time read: 3.34
